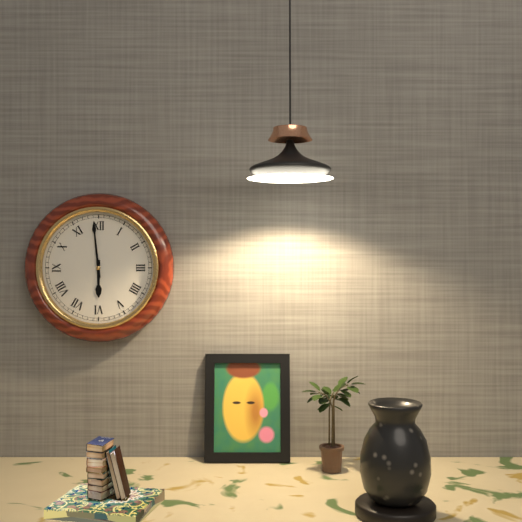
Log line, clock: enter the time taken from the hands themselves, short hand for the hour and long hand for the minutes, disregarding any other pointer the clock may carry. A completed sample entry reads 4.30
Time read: 5.59
